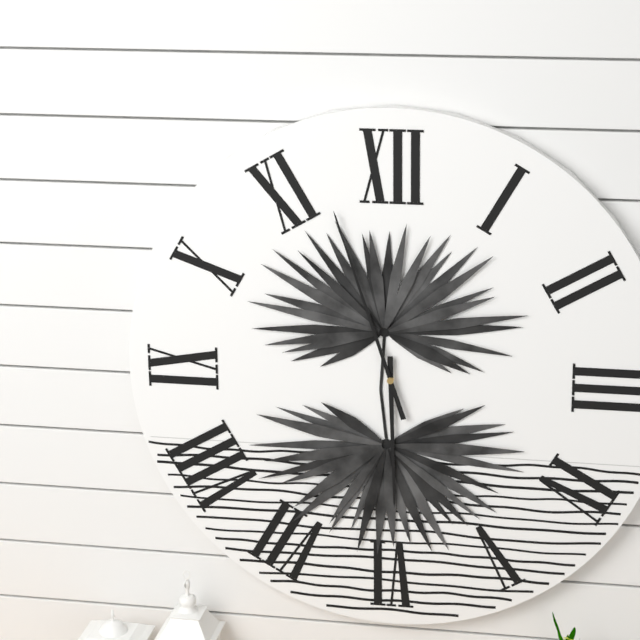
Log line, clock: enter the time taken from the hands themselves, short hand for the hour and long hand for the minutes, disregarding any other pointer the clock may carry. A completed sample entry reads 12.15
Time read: 5.57
